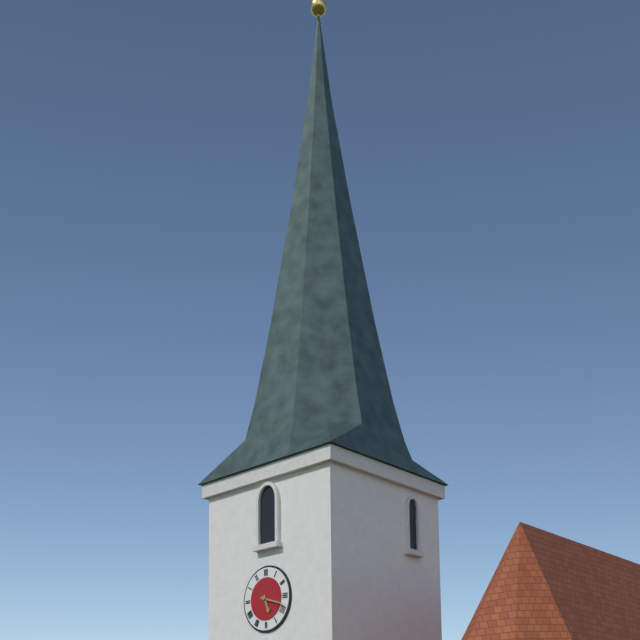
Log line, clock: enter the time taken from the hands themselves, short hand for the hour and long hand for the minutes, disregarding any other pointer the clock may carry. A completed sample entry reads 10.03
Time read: 5.18
